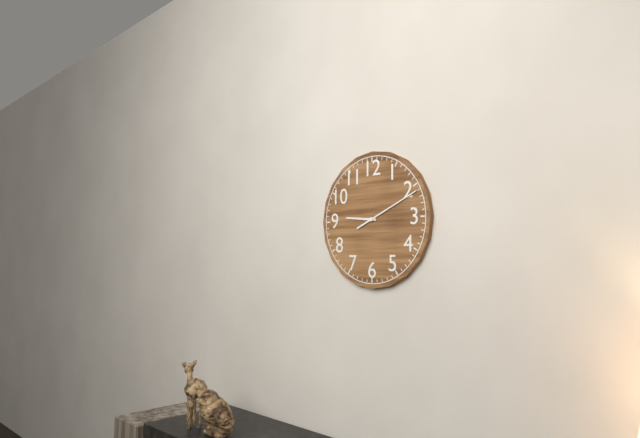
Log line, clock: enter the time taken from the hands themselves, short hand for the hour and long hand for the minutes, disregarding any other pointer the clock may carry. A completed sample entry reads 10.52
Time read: 9.11
